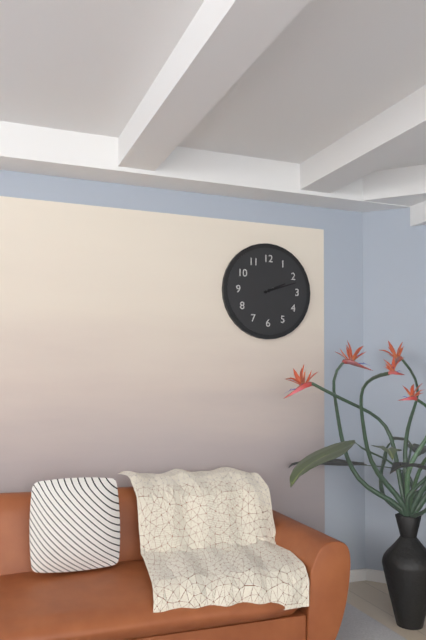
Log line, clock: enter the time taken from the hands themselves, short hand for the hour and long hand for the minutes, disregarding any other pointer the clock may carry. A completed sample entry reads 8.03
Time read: 2.12
